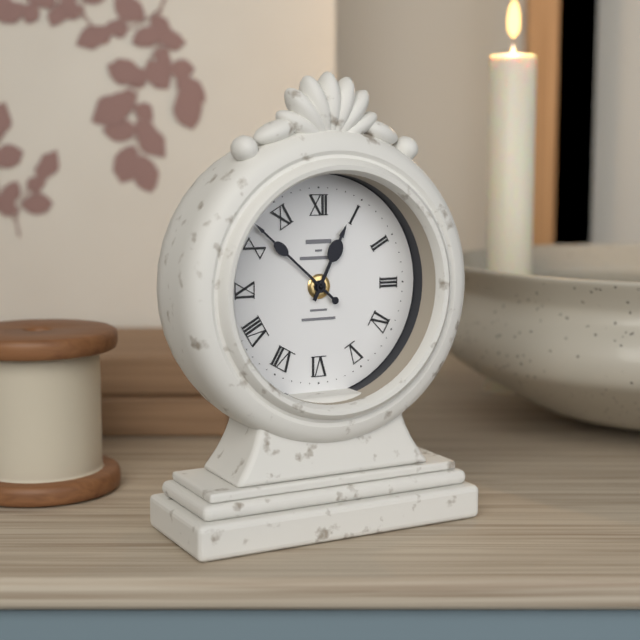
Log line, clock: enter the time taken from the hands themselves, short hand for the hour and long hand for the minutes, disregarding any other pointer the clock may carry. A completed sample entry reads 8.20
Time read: 12.52
